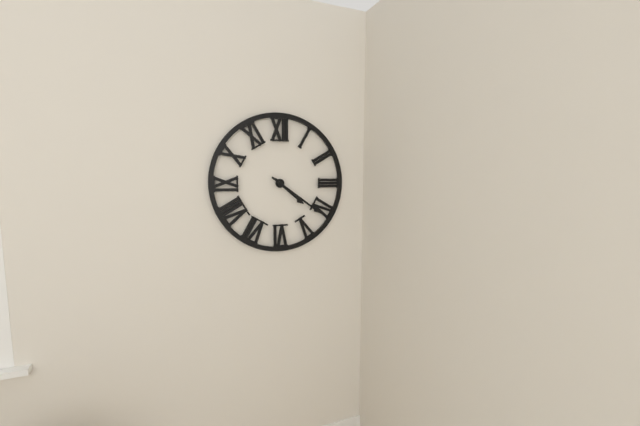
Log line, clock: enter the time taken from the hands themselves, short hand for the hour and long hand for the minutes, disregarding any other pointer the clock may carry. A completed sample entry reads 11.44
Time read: 4.21
